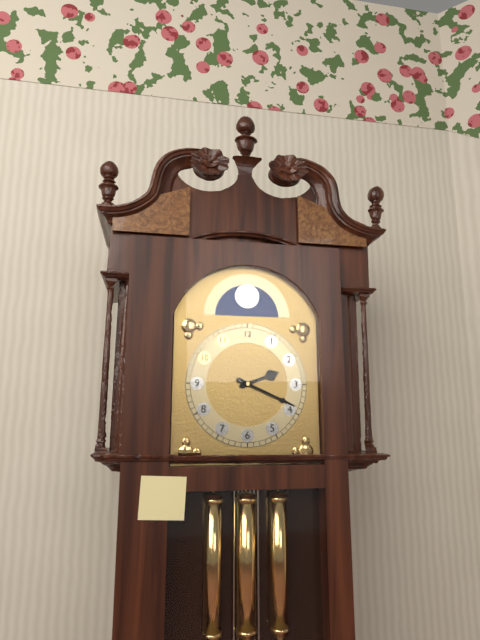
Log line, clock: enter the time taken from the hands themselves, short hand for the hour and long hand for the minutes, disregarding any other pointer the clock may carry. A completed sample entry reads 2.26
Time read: 2.19
